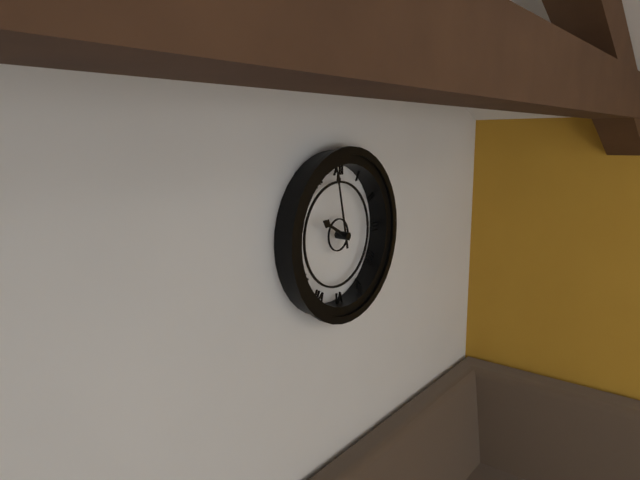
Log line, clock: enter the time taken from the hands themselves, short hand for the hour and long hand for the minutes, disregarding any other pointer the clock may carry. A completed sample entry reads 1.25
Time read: 9.58
